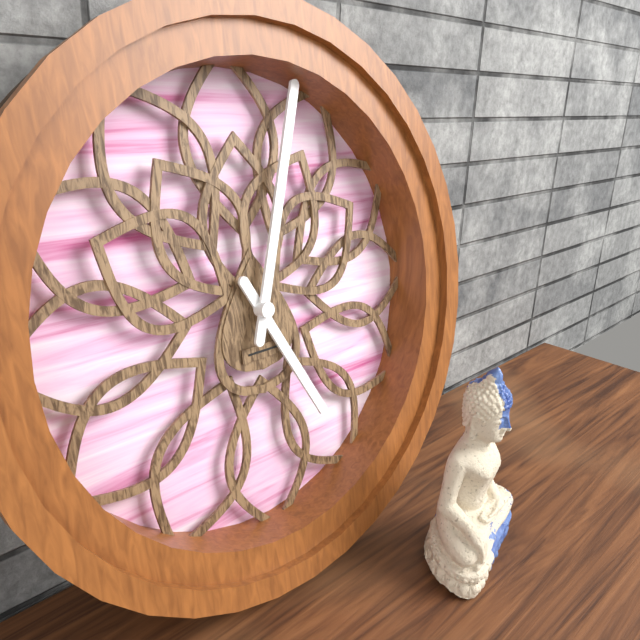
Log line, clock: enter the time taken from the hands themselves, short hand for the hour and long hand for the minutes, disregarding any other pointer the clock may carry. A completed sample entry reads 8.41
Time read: 5.03
